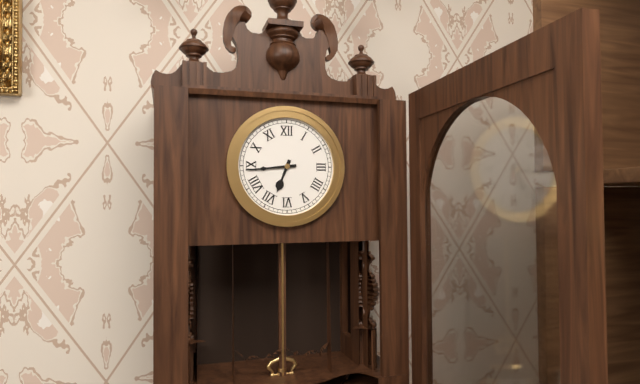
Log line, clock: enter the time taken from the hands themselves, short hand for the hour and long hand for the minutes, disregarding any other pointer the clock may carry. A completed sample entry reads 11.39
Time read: 6.44
